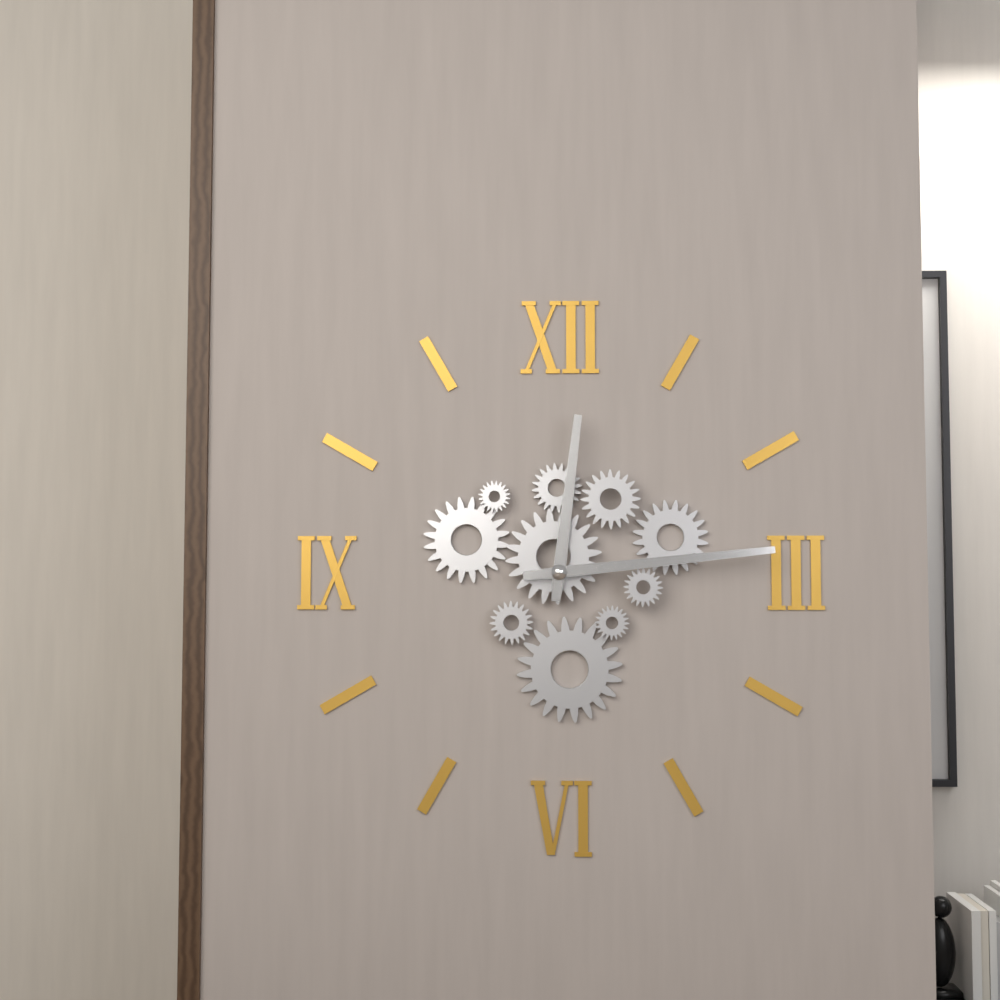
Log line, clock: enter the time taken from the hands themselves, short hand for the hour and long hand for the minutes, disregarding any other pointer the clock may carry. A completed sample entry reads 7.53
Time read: 12.14
